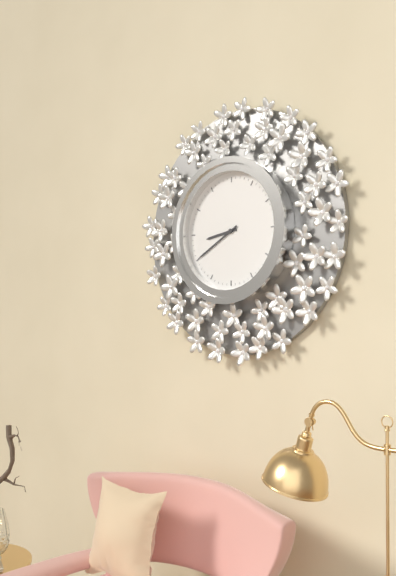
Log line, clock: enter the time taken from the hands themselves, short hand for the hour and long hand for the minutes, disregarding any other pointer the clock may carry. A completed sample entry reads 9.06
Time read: 8.40
